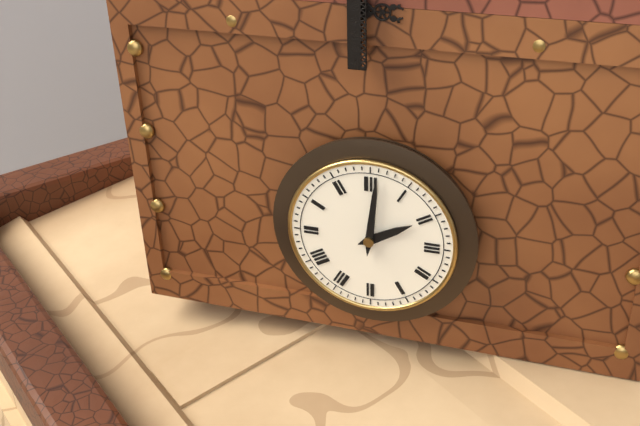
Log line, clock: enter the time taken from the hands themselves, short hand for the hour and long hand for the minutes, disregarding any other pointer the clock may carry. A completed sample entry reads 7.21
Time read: 2.01
